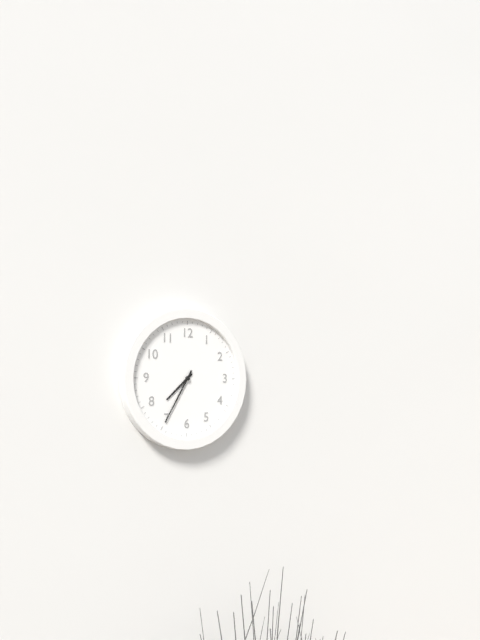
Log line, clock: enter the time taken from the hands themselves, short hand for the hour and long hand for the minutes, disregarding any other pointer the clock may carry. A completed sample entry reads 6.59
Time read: 7.35
